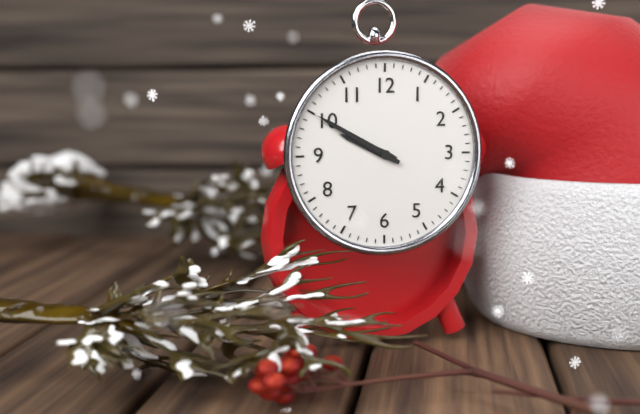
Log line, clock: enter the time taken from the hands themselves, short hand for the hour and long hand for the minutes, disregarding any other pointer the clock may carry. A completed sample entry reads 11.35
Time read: 9.50
